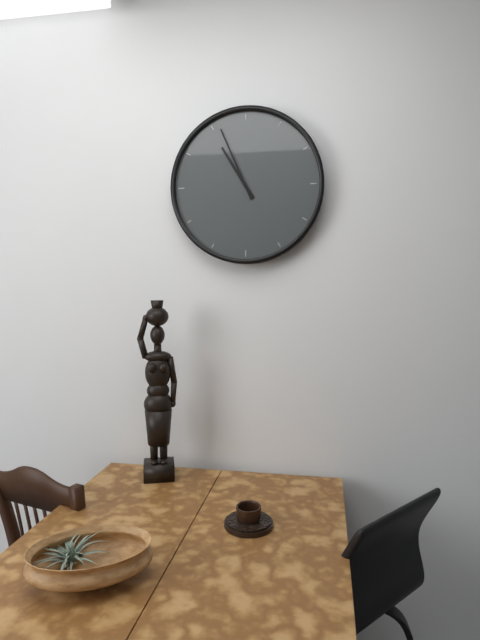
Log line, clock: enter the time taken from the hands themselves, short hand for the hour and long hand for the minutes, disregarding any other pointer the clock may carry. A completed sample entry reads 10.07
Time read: 10.56
